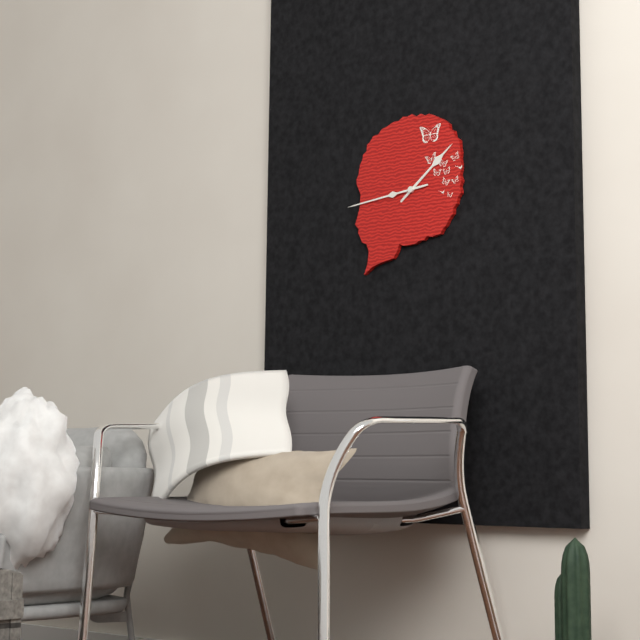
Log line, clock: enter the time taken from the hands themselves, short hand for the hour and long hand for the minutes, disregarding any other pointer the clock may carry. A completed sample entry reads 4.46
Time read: 1.44
